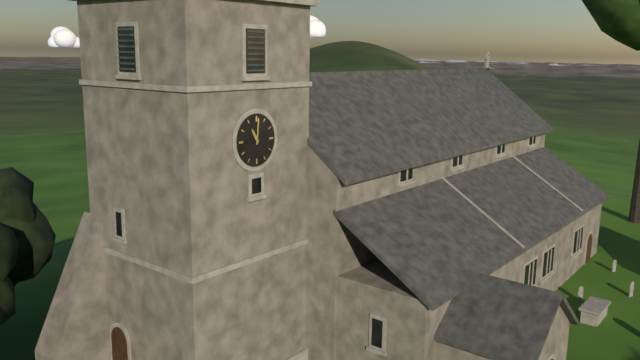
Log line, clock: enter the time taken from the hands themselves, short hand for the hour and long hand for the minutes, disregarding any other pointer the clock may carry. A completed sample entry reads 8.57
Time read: 11.01
